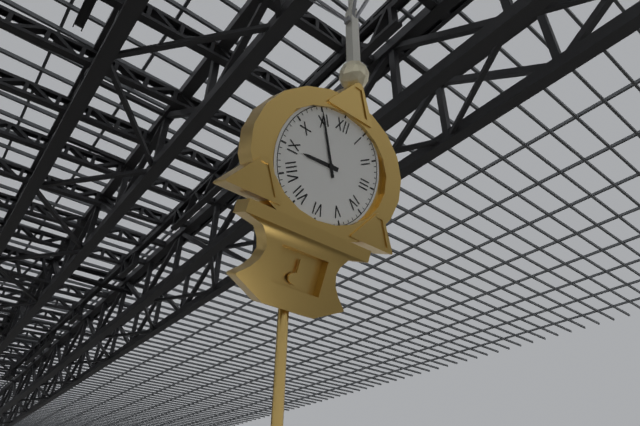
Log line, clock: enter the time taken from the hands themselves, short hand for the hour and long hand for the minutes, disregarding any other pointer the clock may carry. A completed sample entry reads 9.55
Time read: 8.55
